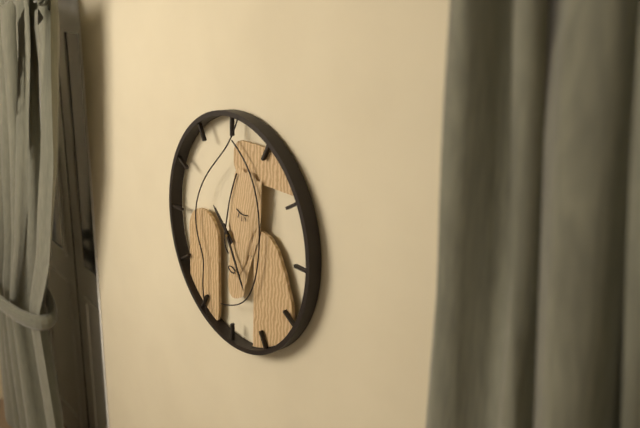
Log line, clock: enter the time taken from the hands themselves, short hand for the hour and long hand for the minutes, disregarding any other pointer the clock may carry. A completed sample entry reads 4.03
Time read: 10.25
